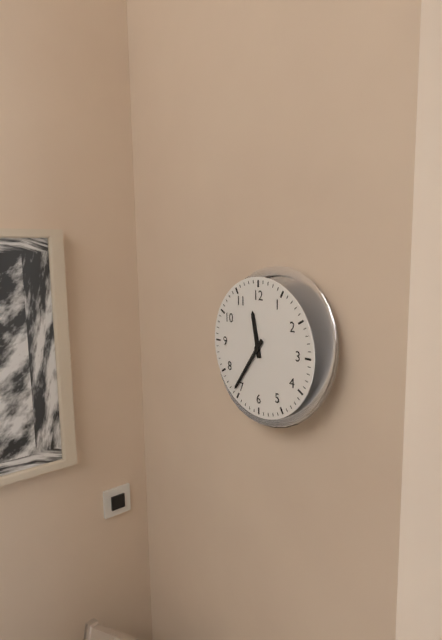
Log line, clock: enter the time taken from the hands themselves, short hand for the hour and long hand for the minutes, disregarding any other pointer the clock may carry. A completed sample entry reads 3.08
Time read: 11.36
